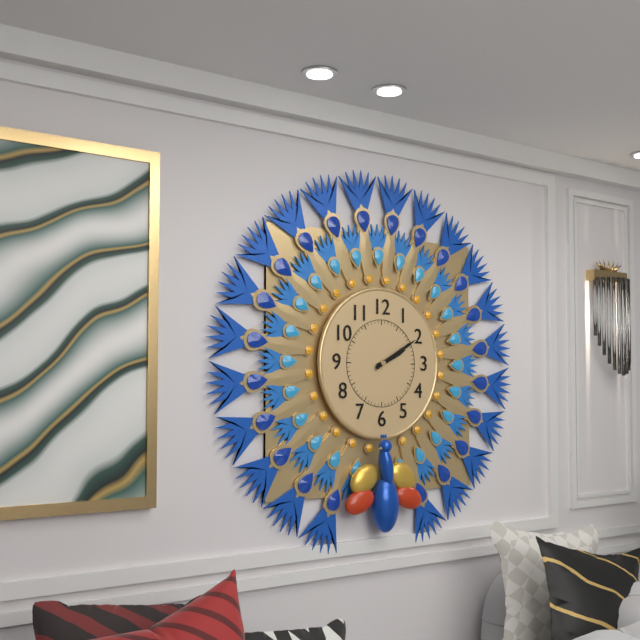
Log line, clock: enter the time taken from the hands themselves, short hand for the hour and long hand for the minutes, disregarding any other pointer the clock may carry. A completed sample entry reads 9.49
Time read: 2.10
